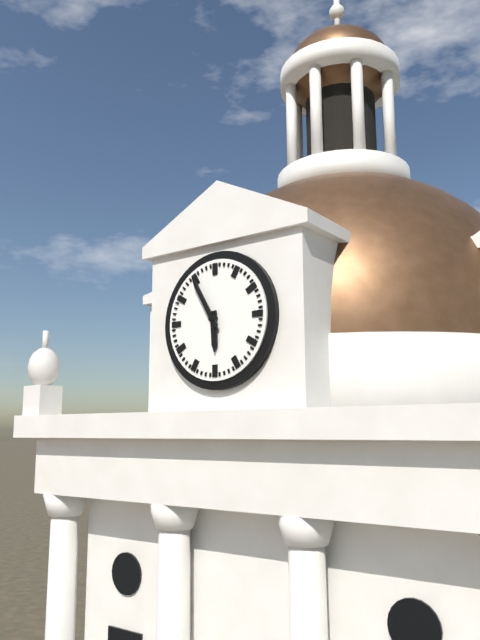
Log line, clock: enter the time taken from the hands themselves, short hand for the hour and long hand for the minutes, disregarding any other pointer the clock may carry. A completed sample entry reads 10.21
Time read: 5.55
